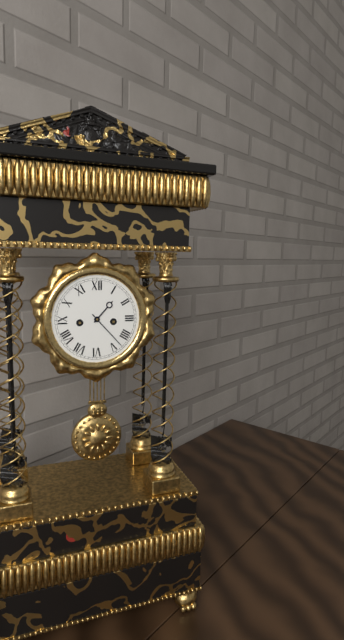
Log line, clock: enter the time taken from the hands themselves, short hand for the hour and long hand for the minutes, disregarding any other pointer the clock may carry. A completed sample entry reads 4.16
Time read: 1.23
